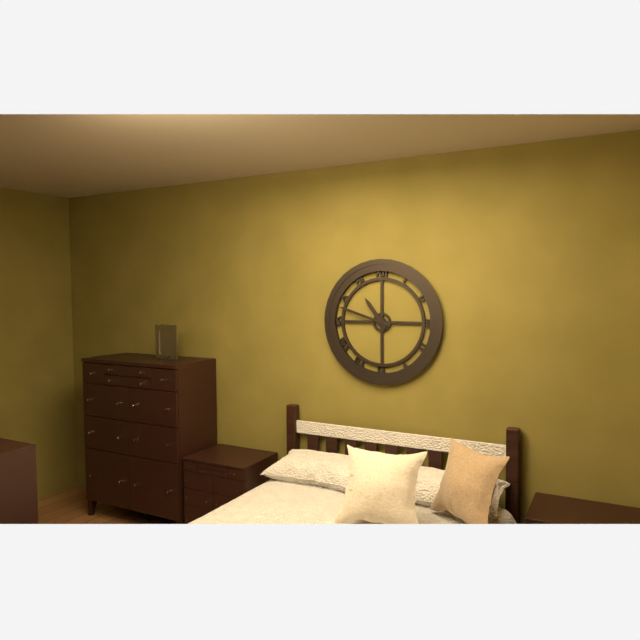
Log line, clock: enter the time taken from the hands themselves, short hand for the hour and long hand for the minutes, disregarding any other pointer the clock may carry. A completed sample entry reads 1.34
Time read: 10.48
